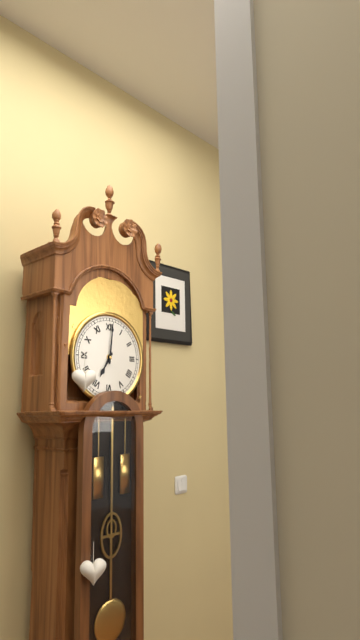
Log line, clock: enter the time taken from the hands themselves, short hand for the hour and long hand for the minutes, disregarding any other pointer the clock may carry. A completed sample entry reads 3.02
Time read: 7.01
